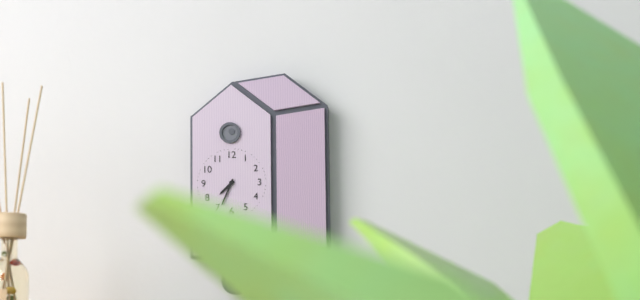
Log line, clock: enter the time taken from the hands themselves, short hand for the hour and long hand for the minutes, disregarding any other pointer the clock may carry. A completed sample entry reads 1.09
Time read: 7.34
